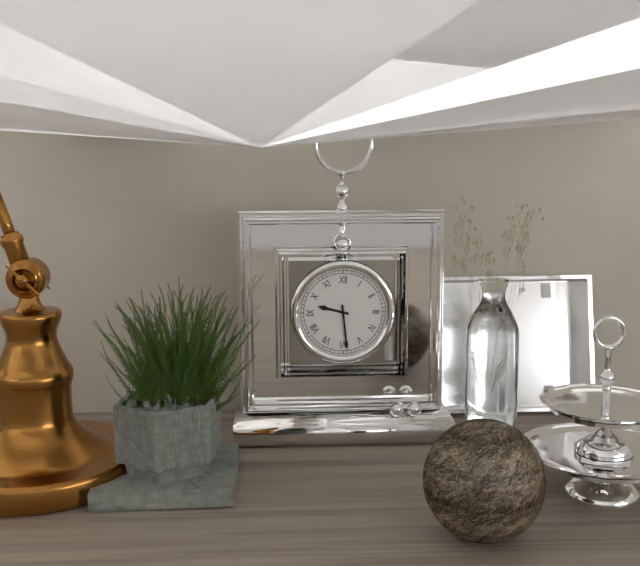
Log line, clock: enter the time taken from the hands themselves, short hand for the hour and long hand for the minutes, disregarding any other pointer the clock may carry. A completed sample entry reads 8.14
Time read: 9.29
